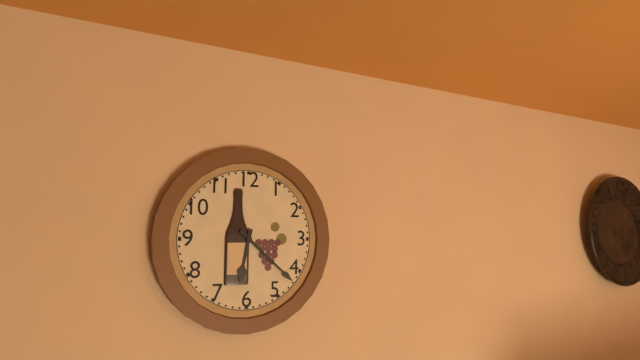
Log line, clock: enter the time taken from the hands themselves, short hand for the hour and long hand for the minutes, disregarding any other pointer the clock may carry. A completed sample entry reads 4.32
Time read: 6.22
